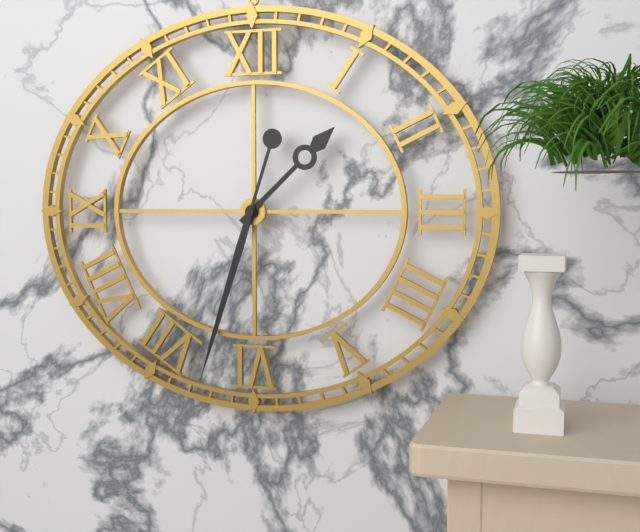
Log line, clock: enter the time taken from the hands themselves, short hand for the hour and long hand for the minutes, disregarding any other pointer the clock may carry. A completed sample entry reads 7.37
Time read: 1.33
